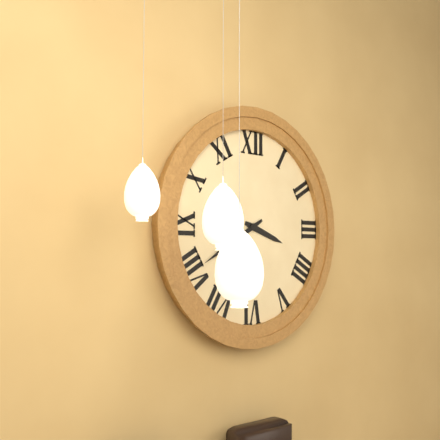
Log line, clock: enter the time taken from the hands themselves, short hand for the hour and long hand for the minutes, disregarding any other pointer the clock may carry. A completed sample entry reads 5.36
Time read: 3.40
